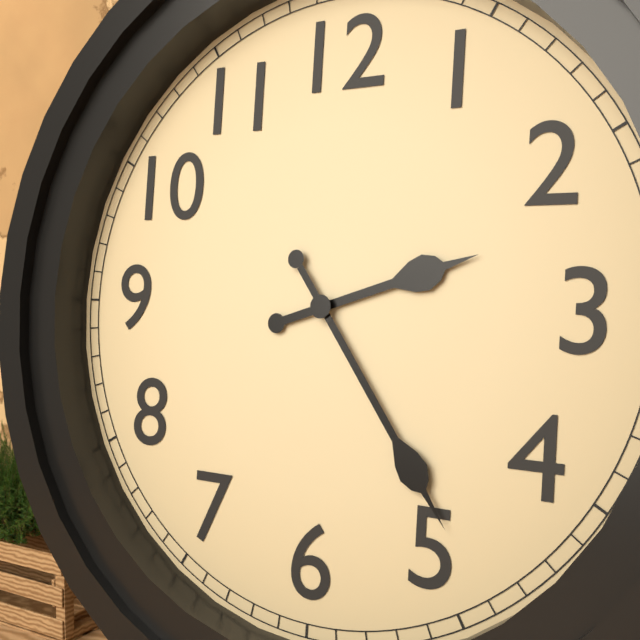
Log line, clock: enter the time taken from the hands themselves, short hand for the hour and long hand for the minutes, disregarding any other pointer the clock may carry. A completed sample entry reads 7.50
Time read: 2.24
